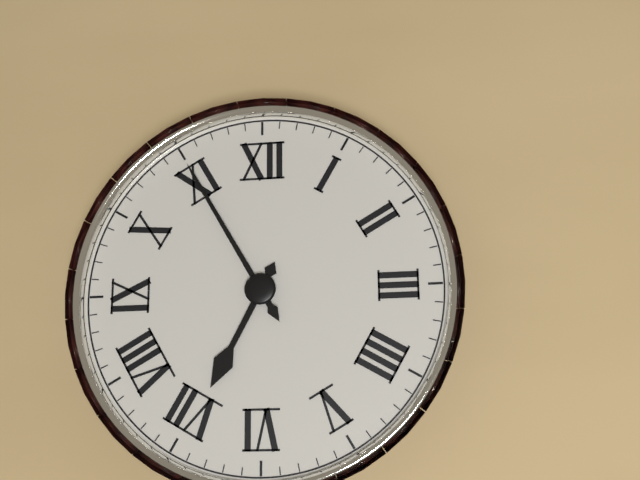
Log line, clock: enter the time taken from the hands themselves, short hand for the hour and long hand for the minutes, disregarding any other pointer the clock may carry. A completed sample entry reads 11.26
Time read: 6.55
